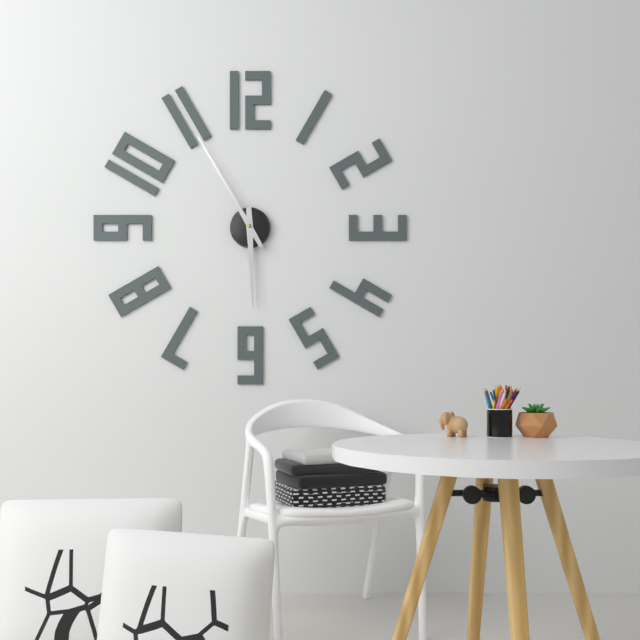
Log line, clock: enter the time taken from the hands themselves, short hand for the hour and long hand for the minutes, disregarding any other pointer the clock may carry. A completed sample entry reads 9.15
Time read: 5.55
